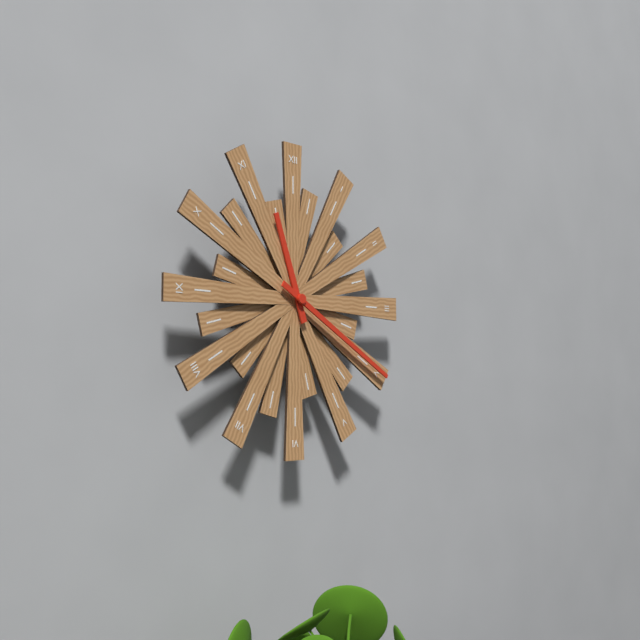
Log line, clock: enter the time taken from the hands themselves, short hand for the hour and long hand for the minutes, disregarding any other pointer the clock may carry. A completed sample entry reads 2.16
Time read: 11.20
